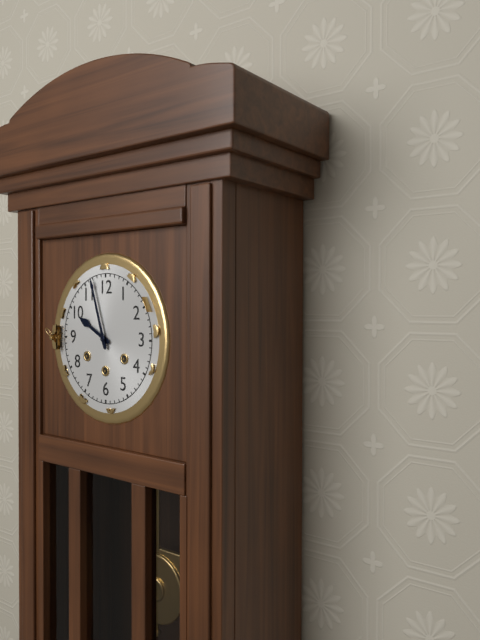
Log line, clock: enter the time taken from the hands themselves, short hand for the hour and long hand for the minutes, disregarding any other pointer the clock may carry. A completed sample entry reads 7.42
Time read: 9.57
